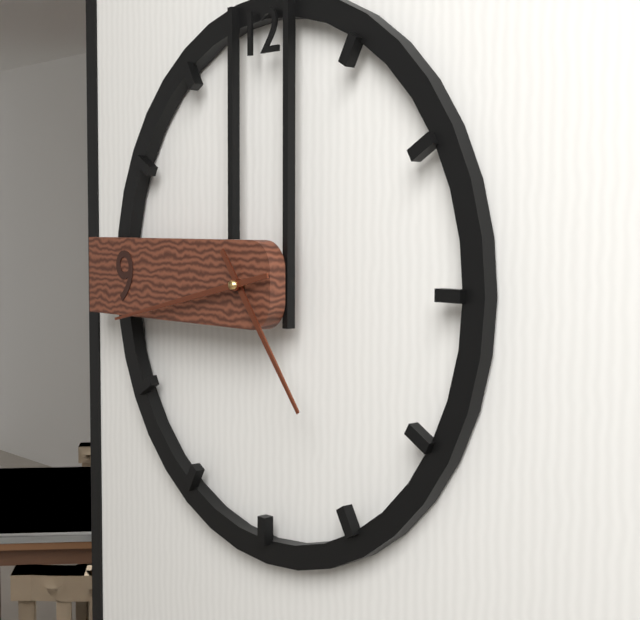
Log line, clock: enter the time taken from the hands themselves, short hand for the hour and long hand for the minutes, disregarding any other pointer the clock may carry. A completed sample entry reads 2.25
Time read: 4.43
